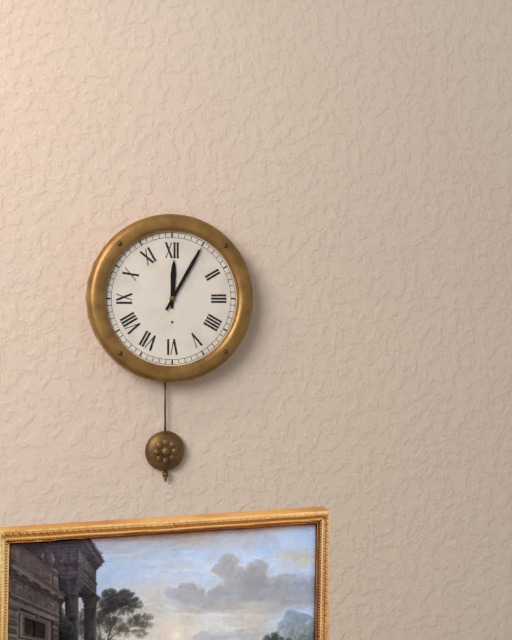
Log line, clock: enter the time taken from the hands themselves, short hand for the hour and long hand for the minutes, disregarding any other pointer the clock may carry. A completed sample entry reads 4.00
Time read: 12.05
